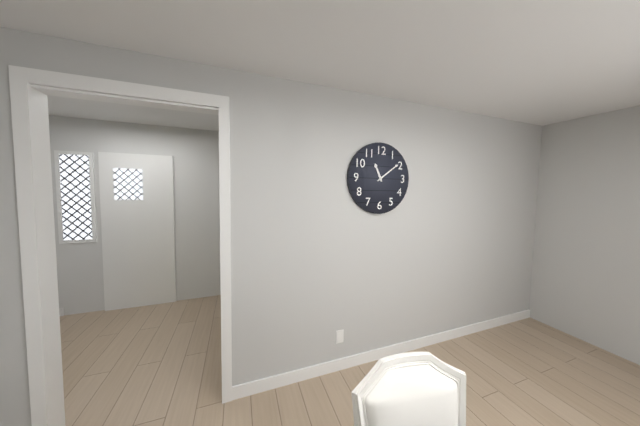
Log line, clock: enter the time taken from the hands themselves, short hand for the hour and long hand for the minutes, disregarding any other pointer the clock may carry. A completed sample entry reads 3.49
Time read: 11.09
